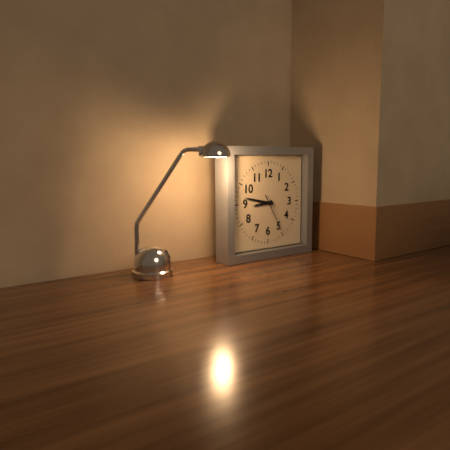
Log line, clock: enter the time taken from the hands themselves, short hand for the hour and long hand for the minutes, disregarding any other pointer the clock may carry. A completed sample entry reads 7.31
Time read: 8.47
